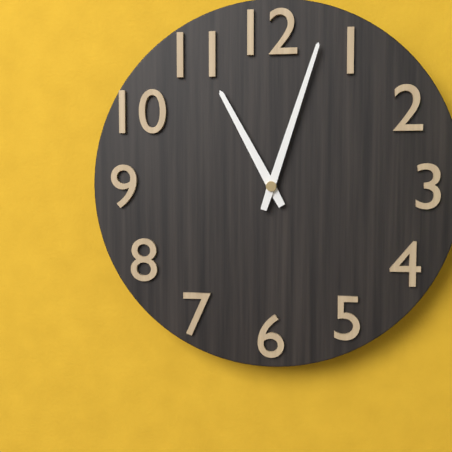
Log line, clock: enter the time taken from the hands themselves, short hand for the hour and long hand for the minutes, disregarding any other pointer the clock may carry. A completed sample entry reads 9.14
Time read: 11.03
